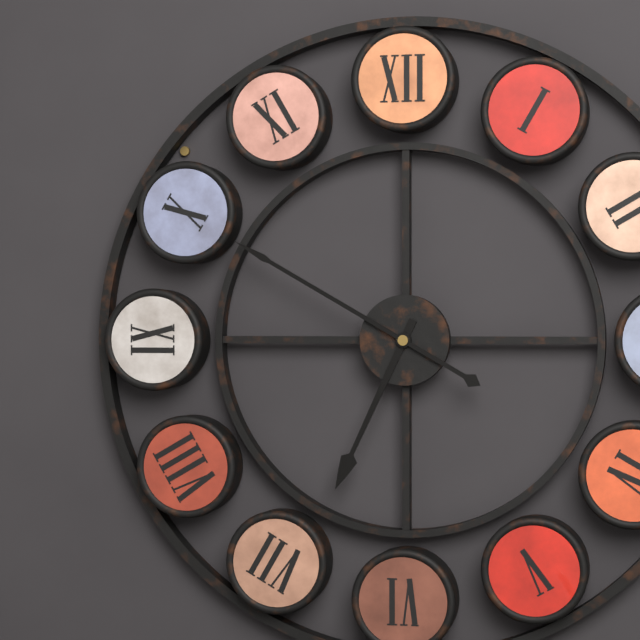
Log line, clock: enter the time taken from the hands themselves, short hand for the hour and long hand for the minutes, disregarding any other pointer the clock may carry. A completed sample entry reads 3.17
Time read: 6.50
